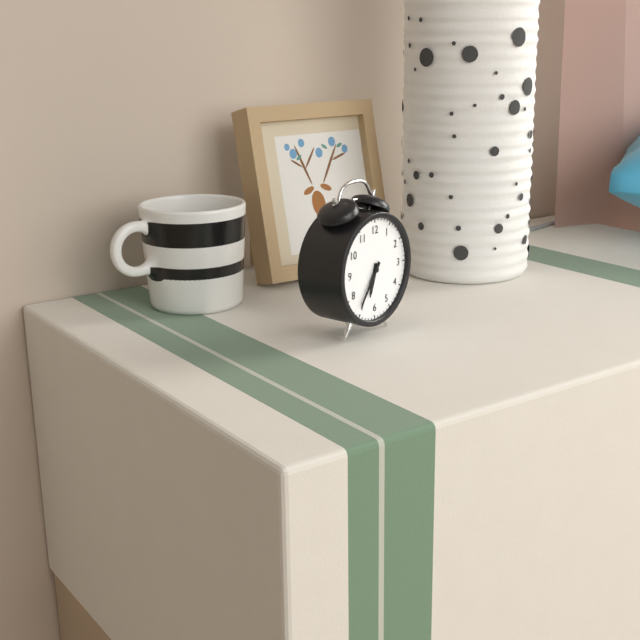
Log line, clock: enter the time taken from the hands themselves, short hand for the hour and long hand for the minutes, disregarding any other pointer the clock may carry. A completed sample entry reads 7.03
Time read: 6.36
